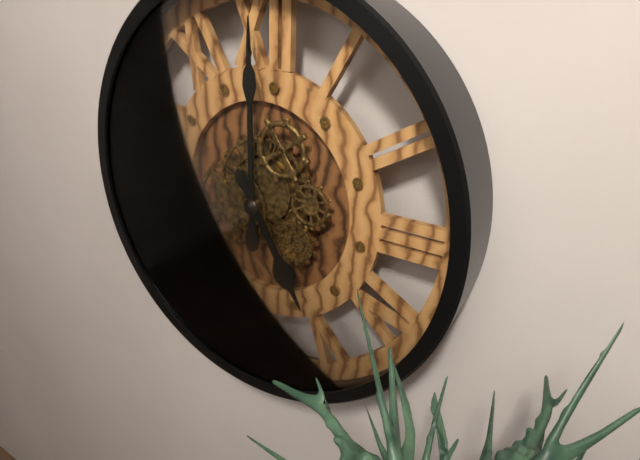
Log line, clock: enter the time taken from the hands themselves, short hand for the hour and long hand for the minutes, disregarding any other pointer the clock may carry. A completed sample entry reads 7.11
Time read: 5.00
